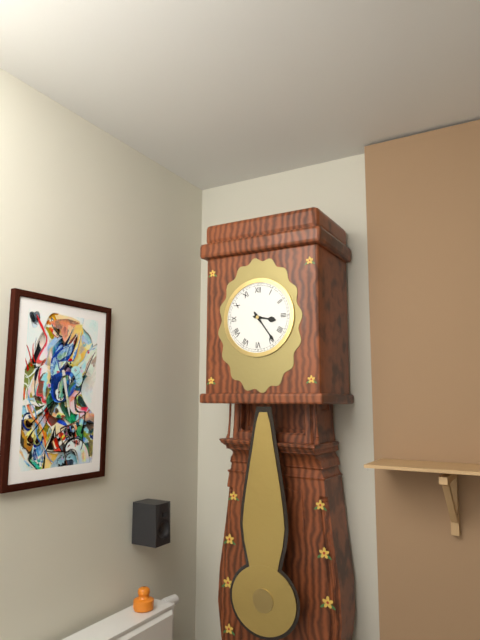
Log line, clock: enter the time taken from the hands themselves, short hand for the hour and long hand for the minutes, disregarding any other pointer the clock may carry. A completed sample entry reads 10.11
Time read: 3.24
